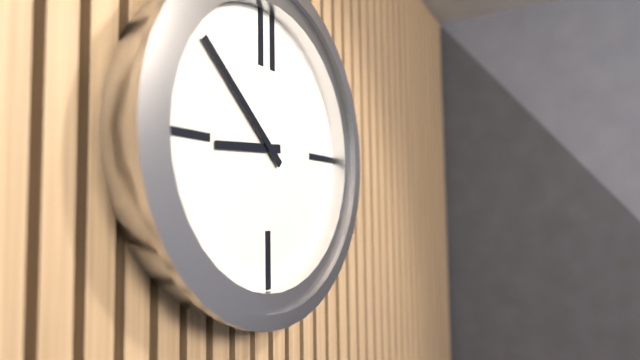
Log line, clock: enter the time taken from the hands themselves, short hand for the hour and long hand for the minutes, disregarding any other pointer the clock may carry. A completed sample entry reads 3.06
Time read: 8.52
